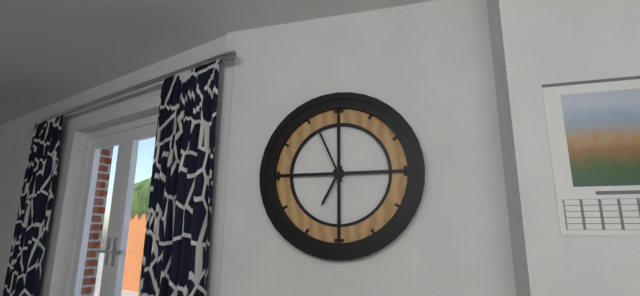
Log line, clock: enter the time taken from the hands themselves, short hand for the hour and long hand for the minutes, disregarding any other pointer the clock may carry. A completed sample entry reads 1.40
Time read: 6.56
